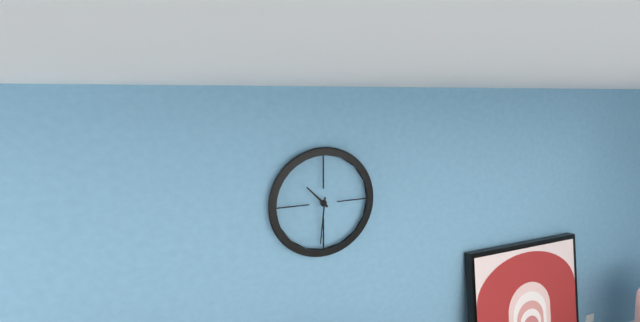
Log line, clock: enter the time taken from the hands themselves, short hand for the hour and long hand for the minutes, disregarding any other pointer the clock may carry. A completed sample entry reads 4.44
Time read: 10.31
